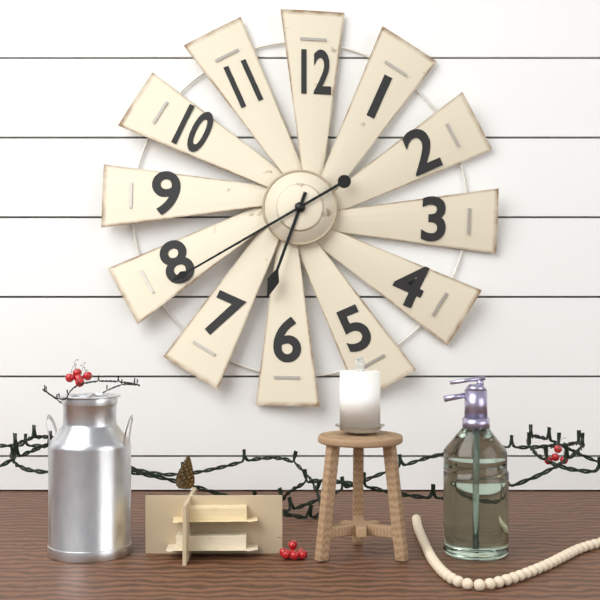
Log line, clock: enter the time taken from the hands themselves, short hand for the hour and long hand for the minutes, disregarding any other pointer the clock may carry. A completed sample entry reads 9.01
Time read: 6.40
